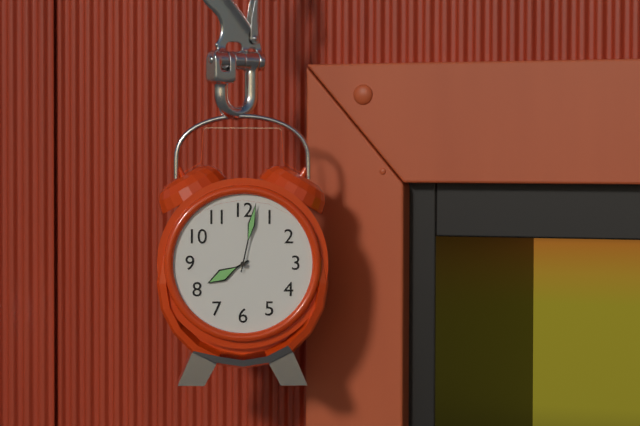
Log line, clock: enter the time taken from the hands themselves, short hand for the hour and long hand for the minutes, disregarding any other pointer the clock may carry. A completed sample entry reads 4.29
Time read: 8.02
